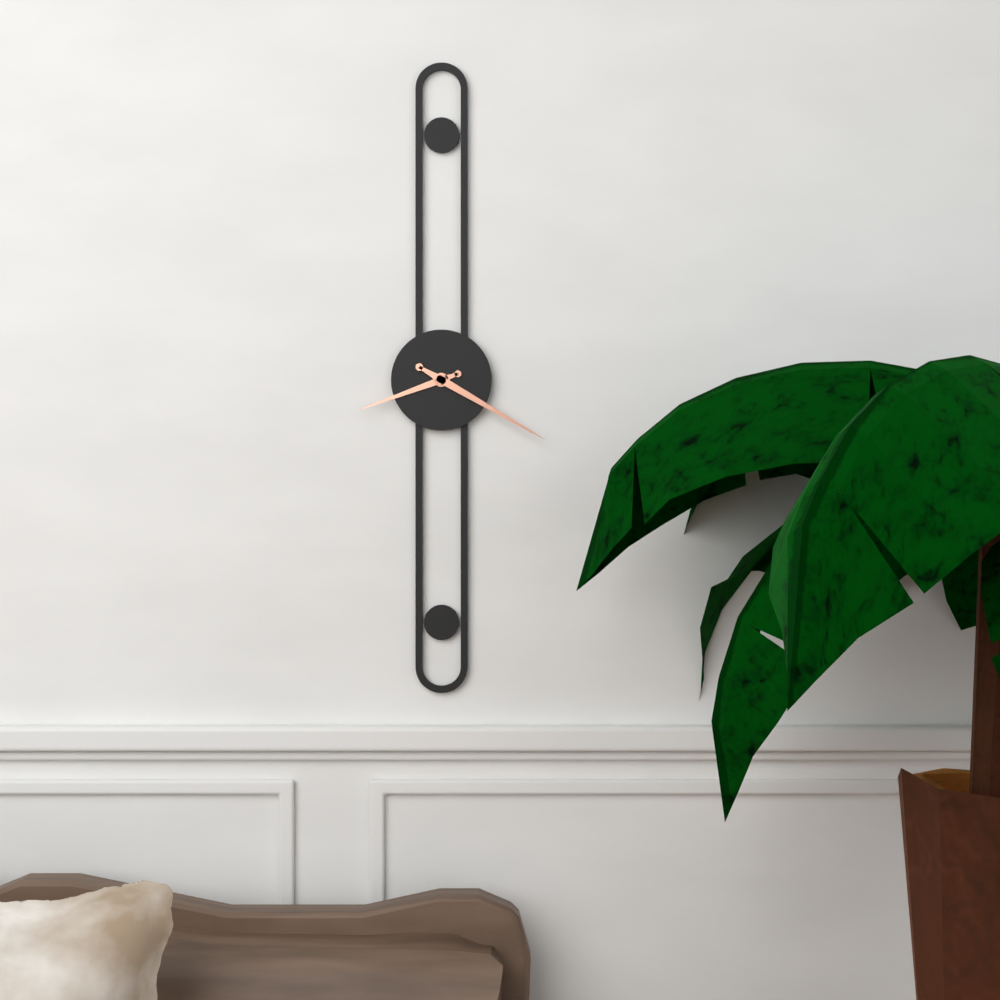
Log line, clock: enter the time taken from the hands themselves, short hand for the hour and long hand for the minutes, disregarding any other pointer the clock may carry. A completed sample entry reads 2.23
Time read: 8.20
